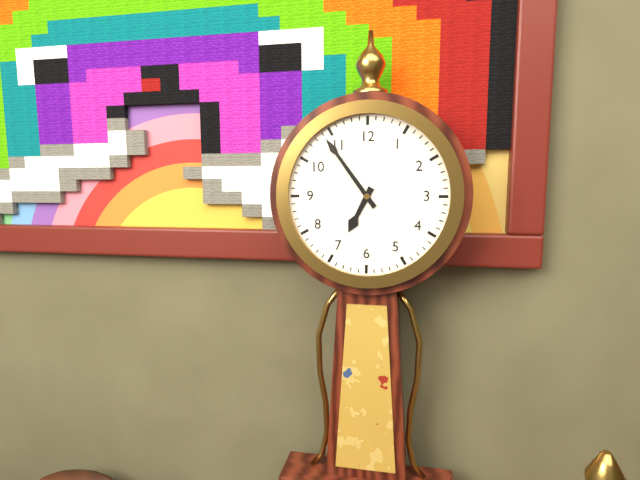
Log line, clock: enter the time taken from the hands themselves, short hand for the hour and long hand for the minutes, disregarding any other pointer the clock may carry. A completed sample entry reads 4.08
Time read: 6.54
